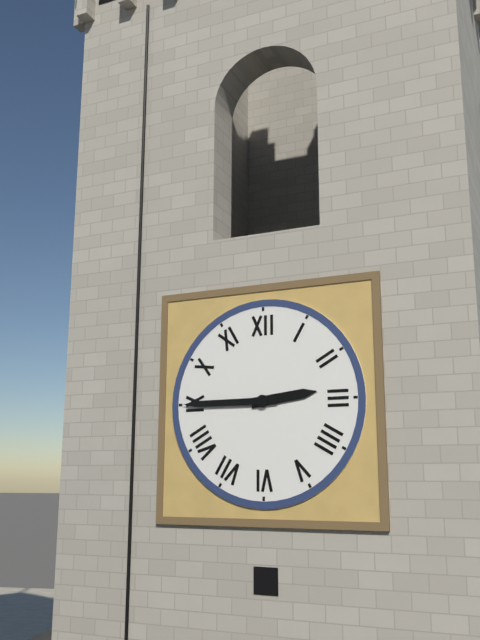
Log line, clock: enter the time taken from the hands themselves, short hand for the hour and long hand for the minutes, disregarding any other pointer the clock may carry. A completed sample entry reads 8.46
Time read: 2.45
